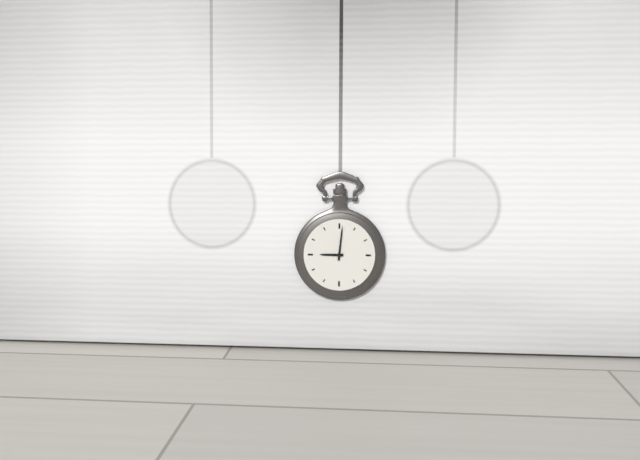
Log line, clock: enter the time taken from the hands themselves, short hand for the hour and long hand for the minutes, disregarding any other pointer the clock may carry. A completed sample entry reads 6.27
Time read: 9.01
